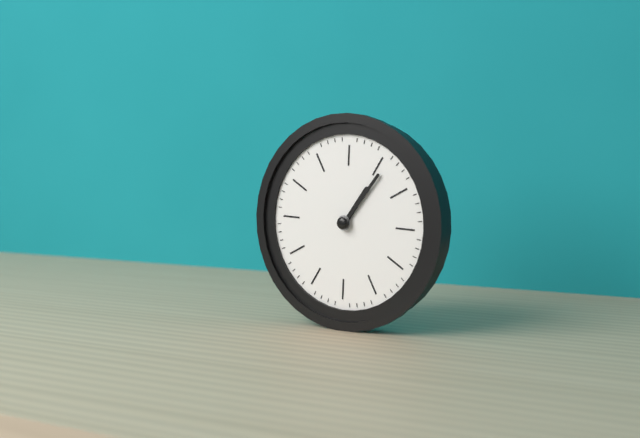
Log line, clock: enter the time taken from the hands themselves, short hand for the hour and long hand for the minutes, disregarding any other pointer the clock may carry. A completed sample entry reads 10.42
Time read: 1.06
